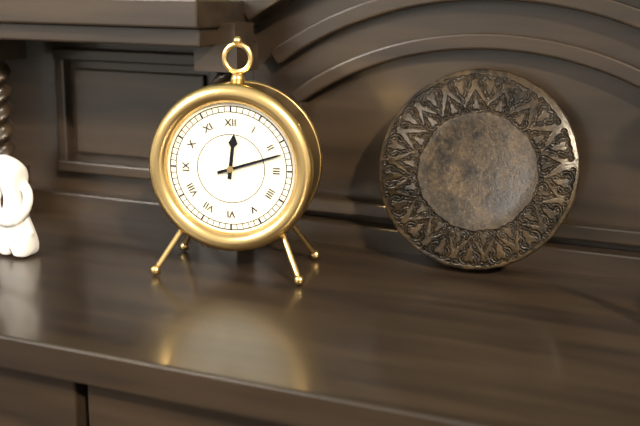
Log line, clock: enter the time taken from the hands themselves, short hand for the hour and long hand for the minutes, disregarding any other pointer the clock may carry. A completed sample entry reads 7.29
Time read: 12.12
